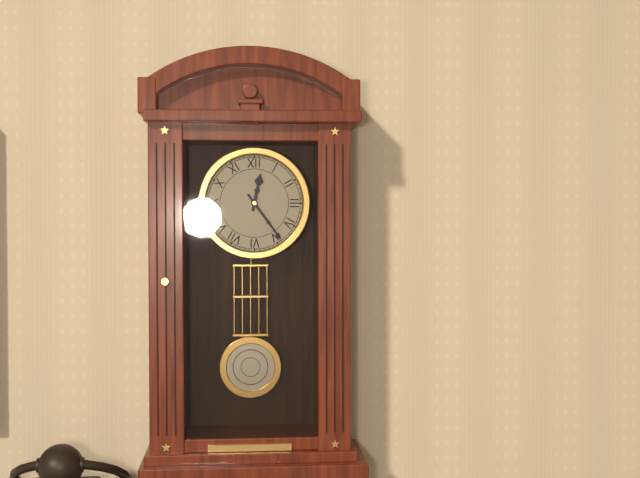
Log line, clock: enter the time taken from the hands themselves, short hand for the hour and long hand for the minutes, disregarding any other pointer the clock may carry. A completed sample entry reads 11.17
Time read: 12.24
